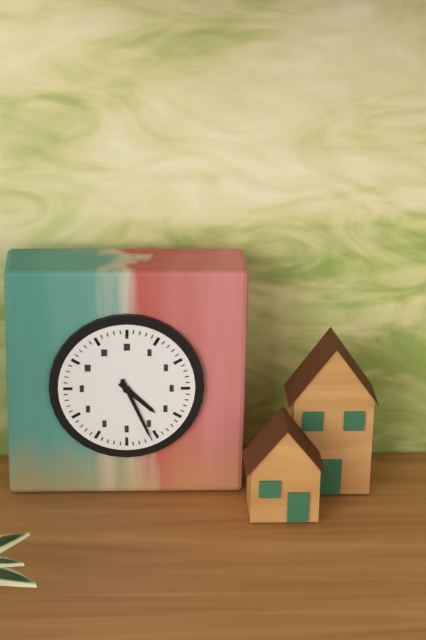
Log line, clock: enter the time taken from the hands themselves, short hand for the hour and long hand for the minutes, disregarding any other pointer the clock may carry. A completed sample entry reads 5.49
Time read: 4.26
